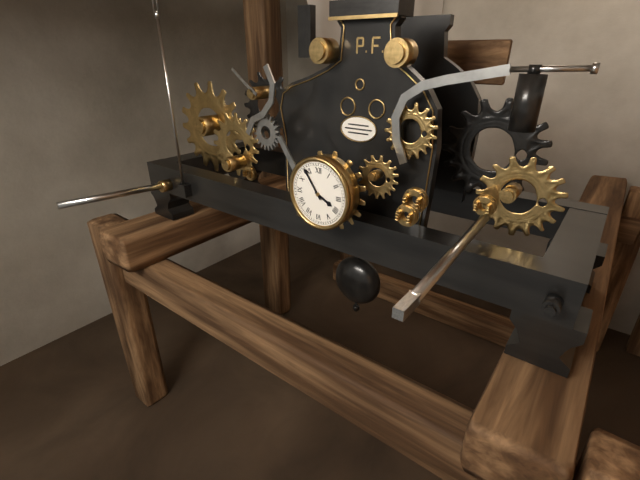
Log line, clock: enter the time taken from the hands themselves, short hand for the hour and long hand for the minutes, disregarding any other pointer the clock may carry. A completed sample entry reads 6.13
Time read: 3.54
